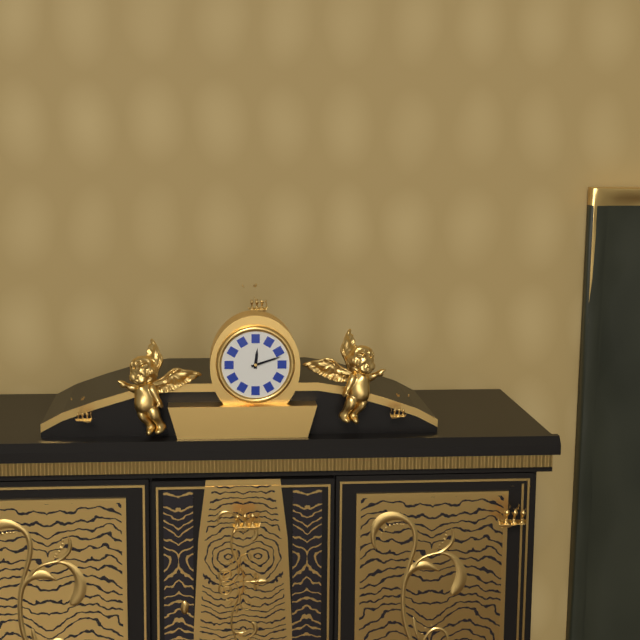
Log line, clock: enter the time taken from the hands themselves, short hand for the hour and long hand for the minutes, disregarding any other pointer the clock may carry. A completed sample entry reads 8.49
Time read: 12.12
